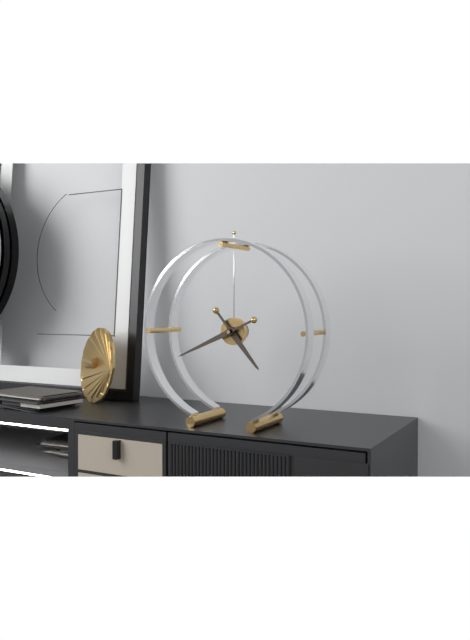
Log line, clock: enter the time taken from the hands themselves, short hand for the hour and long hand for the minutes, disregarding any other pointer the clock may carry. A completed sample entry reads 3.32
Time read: 4.41
